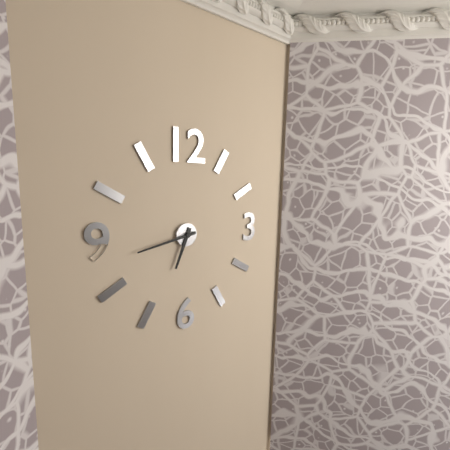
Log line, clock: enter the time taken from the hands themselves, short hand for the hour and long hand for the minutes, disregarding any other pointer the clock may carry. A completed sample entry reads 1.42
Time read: 6.43
